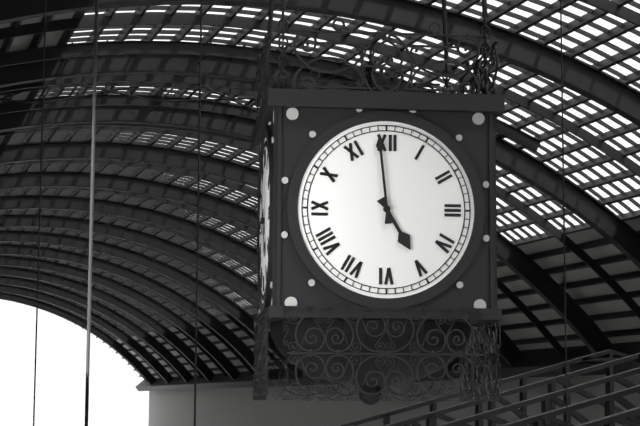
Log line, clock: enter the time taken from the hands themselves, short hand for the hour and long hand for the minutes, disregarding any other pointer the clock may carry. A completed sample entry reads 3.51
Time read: 4.59
